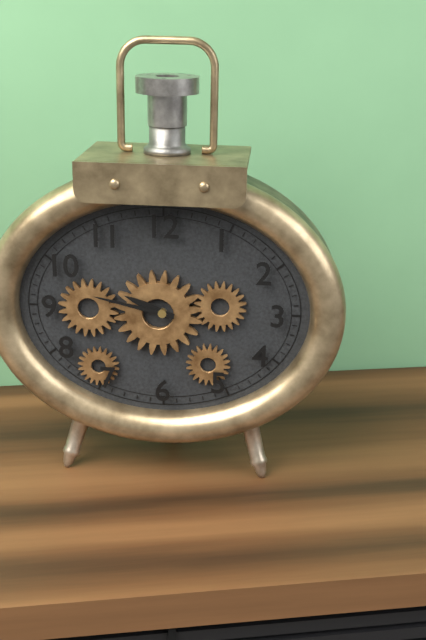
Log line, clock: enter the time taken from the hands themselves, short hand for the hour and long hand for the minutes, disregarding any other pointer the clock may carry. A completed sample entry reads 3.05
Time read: 9.47
